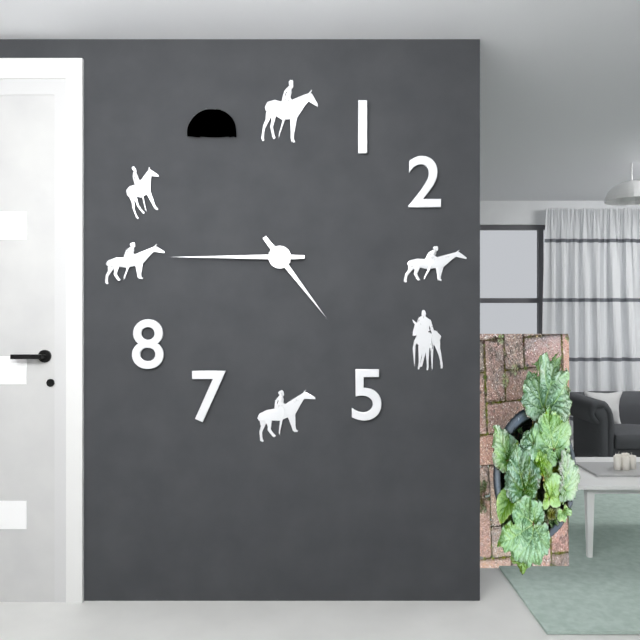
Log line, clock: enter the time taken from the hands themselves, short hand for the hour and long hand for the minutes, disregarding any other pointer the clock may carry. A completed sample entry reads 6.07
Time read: 4.45
